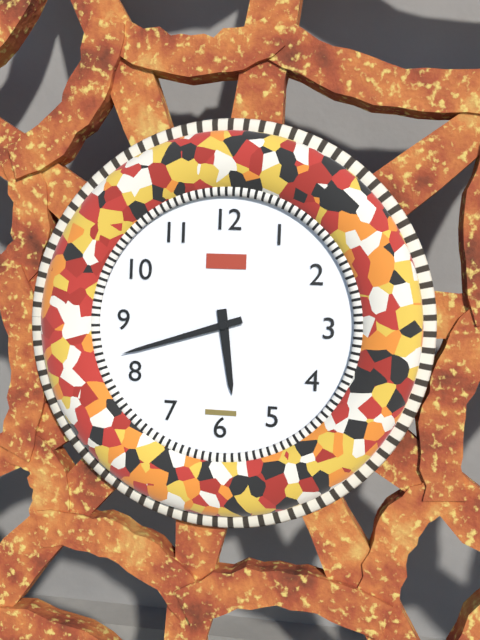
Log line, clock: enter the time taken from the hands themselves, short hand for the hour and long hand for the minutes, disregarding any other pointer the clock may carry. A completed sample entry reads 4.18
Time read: 5.42
